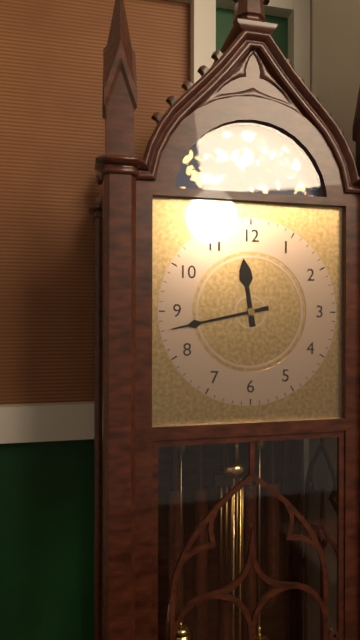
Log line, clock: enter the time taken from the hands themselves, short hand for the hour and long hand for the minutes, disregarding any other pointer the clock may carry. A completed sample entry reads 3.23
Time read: 11.43
